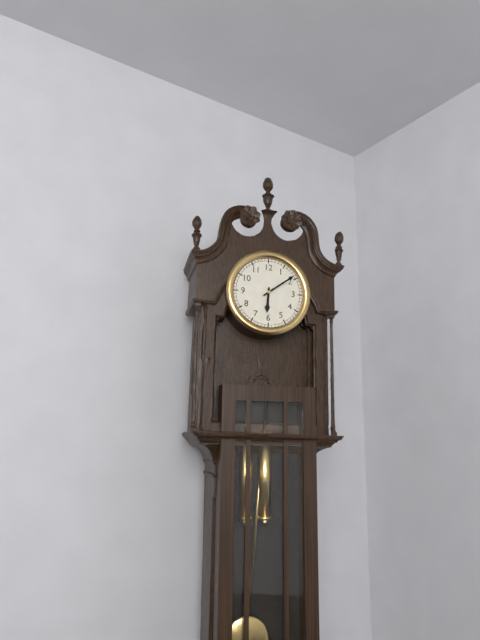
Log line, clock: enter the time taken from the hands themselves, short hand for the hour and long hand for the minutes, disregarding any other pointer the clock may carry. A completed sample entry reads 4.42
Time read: 6.09
